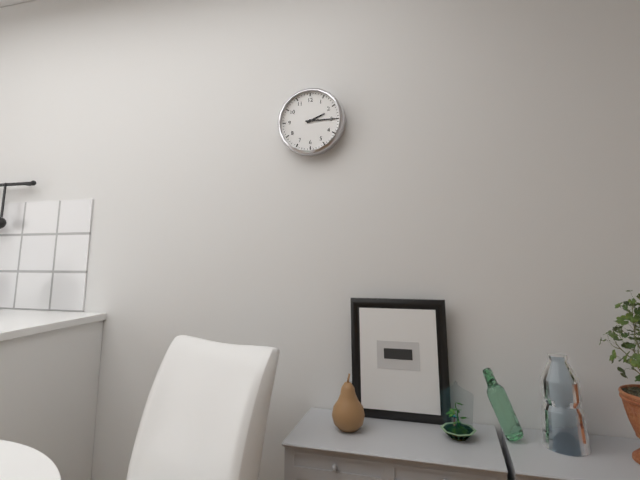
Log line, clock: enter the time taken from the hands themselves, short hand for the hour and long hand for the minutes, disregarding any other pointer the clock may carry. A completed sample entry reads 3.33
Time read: 2.15
